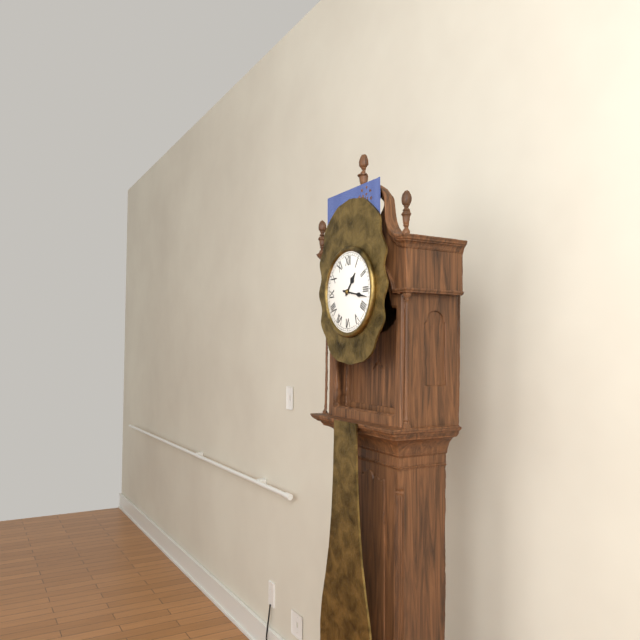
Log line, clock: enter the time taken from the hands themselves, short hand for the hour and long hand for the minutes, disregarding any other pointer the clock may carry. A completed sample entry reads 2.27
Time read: 1.17
